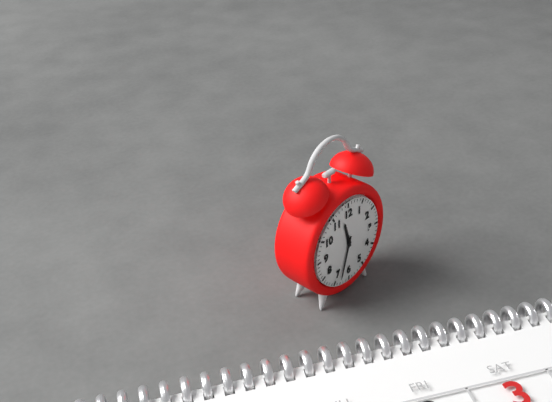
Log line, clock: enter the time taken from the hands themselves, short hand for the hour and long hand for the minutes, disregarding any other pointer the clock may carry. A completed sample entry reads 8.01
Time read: 11.33
